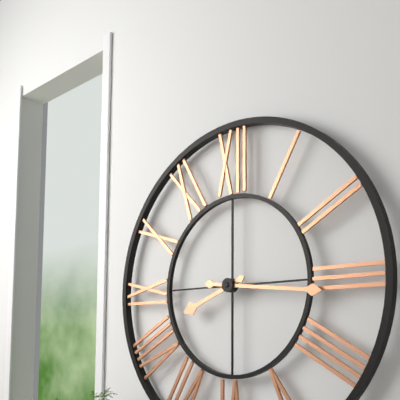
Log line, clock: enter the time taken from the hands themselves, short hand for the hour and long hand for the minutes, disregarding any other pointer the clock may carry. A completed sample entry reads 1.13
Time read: 8.16
